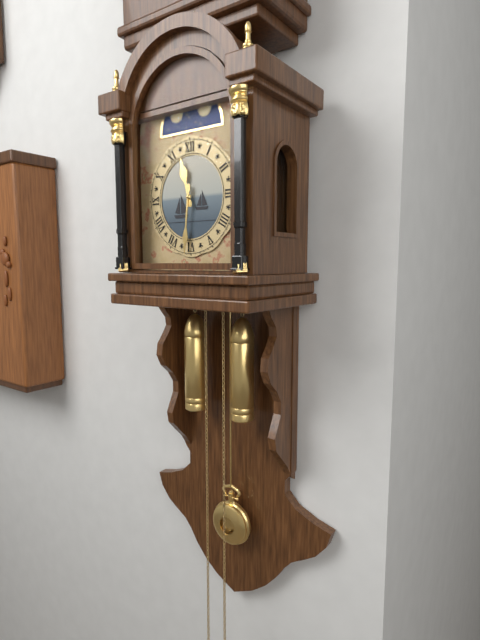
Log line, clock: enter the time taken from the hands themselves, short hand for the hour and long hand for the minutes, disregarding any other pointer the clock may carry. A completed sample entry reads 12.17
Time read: 11.31
